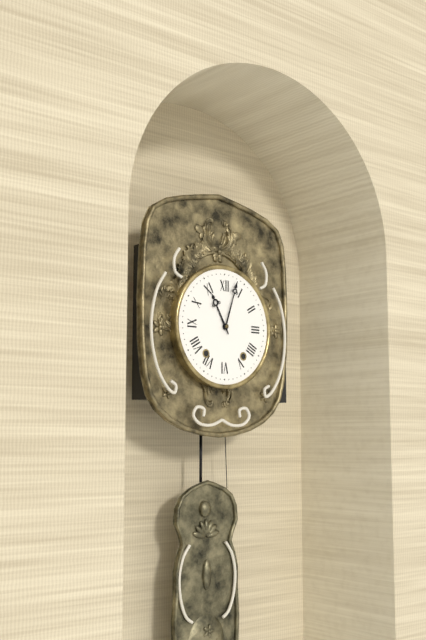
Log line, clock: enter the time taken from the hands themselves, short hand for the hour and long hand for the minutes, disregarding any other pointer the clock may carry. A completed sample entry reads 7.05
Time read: 11.03
